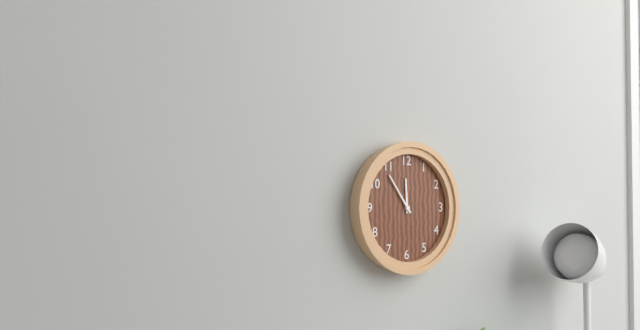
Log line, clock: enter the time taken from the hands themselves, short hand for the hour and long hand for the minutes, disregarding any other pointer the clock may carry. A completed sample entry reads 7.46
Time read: 11.54
